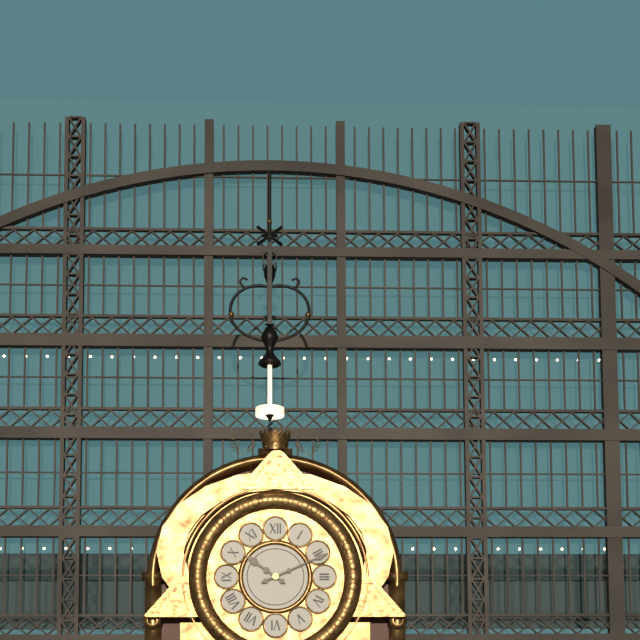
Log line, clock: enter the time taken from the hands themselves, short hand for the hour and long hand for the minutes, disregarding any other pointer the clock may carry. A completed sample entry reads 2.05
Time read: 10.11
